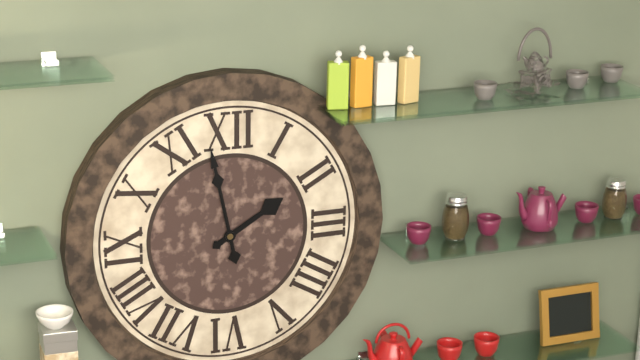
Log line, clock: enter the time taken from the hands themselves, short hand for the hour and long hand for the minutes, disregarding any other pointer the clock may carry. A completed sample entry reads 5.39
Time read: 1.58
